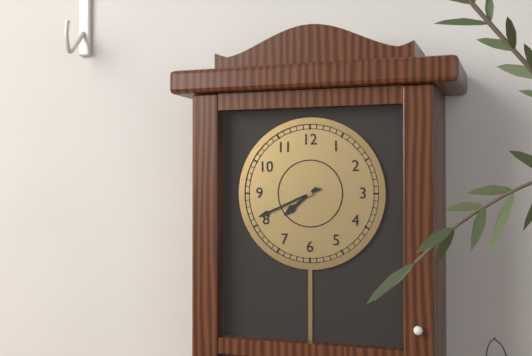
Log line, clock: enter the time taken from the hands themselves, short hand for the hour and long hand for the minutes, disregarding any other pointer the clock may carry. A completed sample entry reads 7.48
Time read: 7.41
